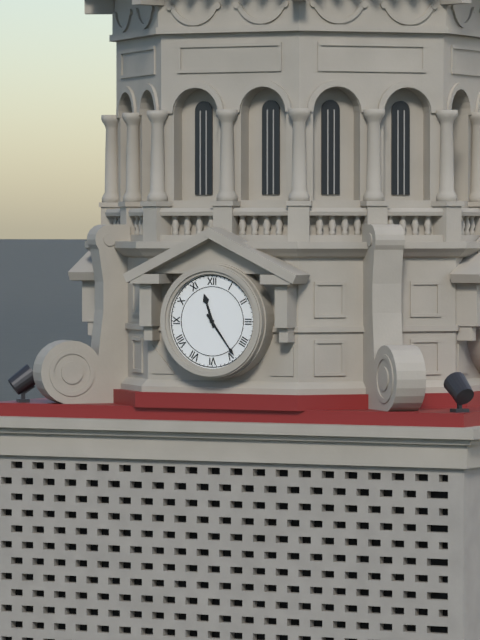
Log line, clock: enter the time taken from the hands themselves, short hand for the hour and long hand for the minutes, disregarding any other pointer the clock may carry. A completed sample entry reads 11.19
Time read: 11.24
